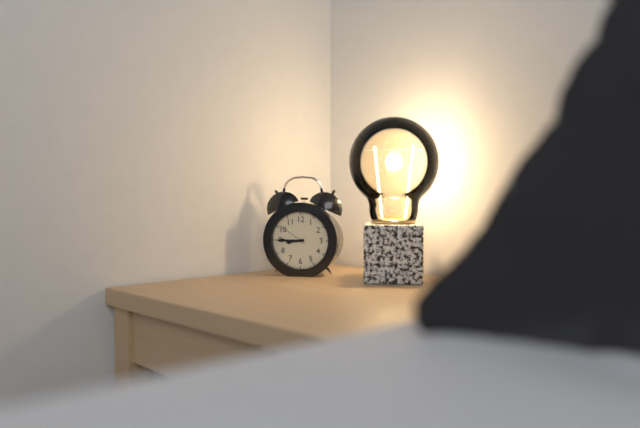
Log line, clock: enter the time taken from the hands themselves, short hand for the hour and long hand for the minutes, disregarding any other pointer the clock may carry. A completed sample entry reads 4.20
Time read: 8.45
